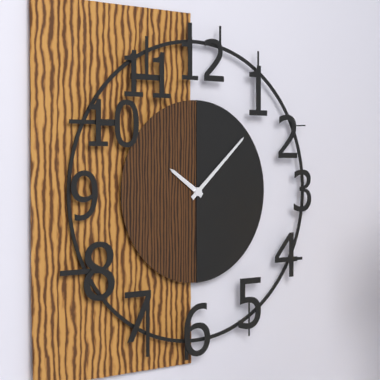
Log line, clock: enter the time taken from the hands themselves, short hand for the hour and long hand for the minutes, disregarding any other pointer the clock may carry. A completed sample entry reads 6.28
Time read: 10.08
